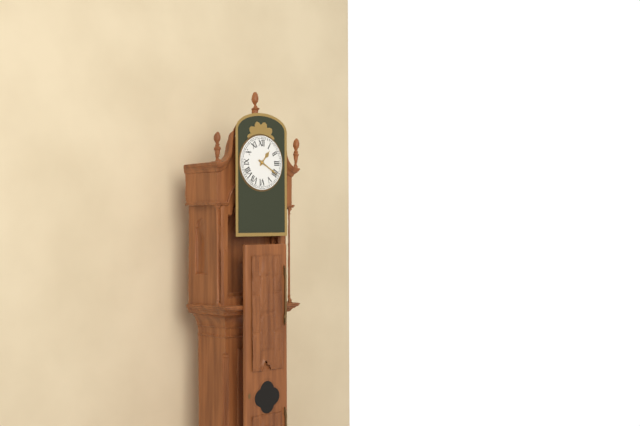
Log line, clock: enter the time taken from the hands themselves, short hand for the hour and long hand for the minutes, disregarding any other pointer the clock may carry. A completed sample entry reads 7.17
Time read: 1.20
